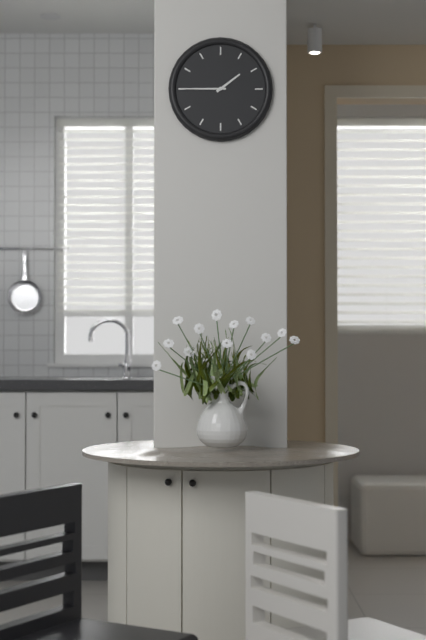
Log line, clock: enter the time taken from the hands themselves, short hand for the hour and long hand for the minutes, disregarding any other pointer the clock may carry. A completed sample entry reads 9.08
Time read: 1.45
